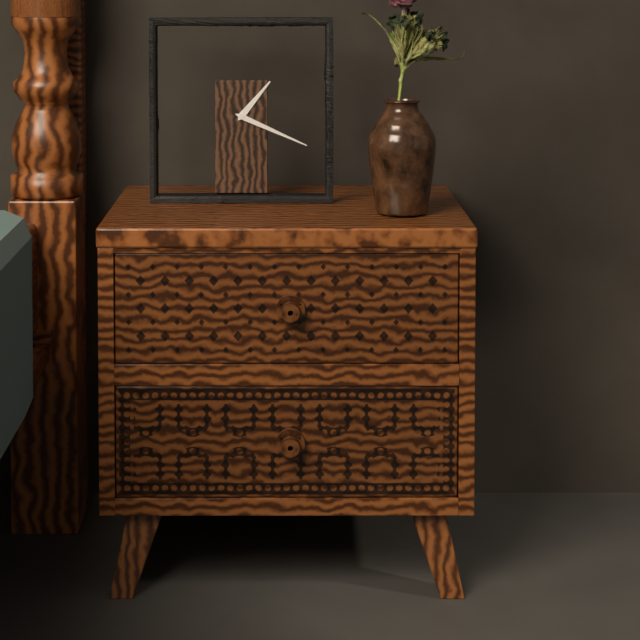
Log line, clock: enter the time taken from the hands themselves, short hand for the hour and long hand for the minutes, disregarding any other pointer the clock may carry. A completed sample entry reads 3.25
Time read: 1.19
